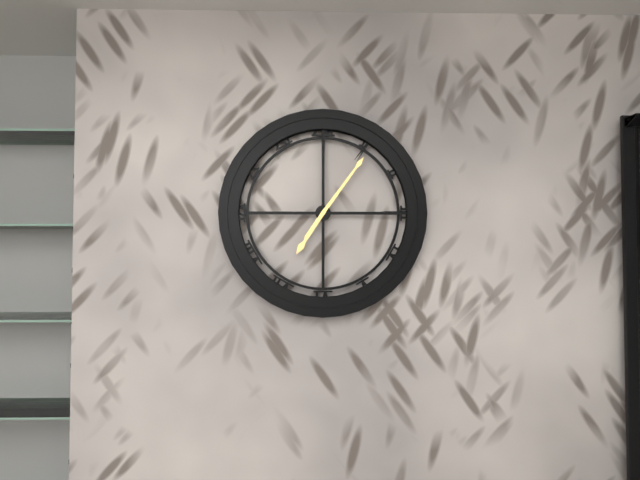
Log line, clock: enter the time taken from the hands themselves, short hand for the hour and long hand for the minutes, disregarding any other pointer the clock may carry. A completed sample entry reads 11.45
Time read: 7.06
